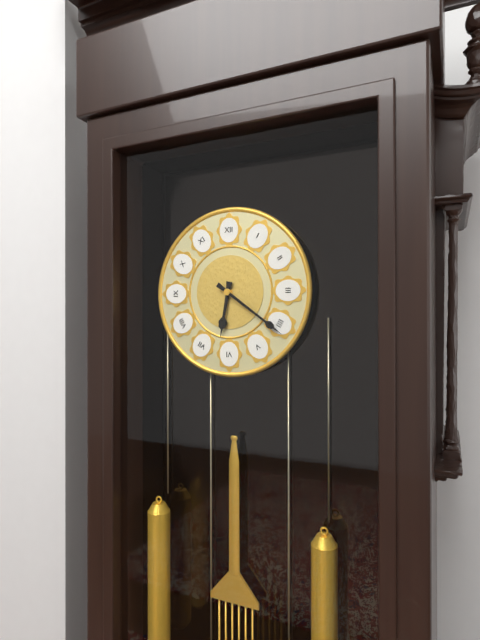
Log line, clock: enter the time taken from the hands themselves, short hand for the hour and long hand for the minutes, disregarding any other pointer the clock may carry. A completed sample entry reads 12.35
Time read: 6.21
